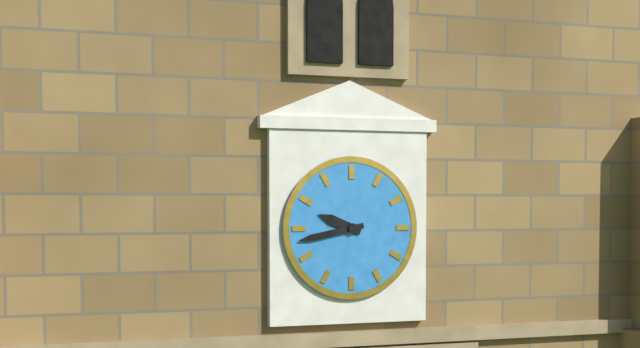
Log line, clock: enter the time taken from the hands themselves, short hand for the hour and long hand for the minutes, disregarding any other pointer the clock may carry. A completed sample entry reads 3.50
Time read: 9.43
